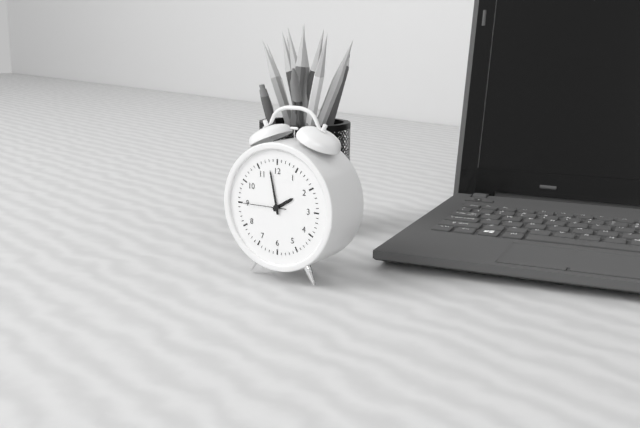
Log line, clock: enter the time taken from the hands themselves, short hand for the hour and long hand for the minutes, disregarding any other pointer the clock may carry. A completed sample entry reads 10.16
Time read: 1.58
